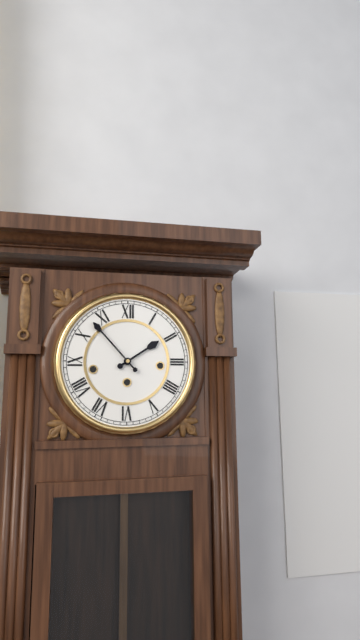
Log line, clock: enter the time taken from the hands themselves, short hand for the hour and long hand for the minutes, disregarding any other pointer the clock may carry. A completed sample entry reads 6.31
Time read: 1.53
